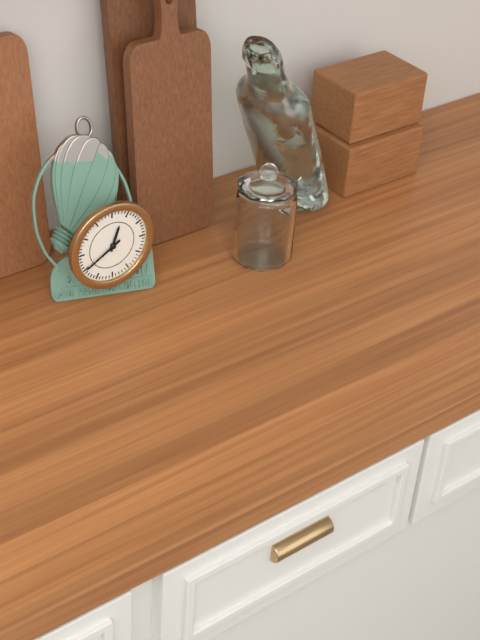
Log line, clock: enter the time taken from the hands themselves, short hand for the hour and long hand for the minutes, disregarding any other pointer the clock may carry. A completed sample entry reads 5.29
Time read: 12.40
